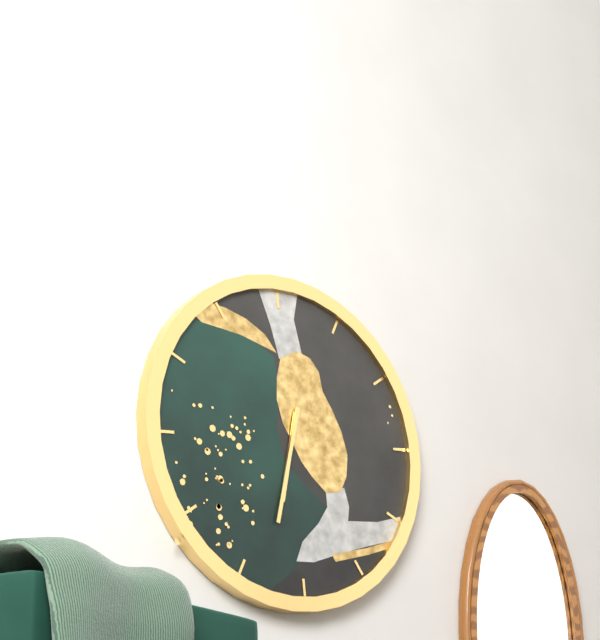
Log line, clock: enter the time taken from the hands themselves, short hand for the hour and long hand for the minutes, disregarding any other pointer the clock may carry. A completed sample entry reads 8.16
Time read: 6.33
